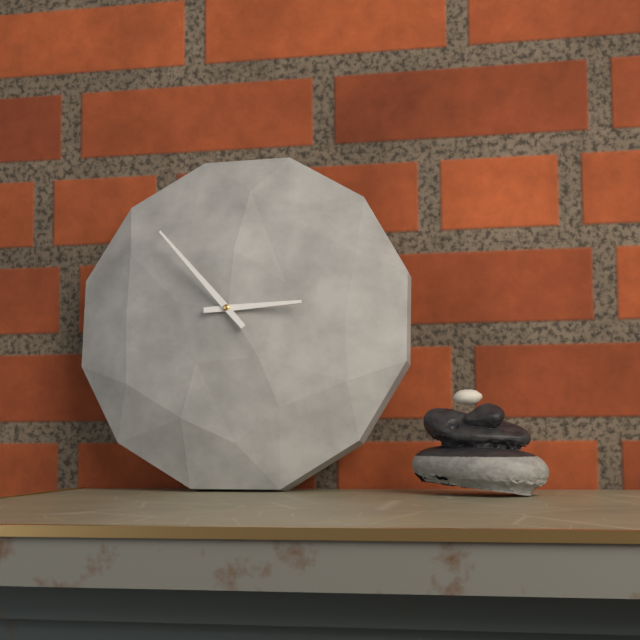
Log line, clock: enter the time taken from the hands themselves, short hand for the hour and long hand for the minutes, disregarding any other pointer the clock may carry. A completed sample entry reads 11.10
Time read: 2.53
